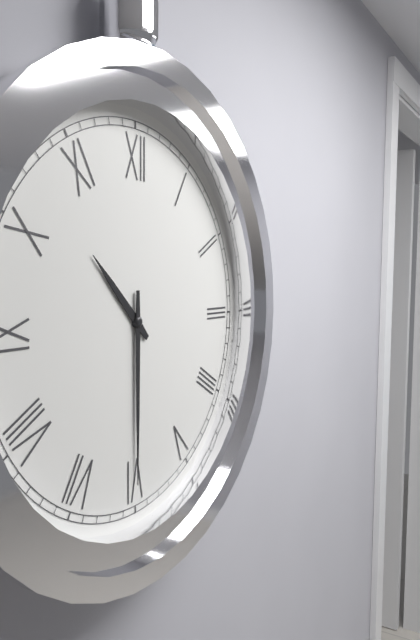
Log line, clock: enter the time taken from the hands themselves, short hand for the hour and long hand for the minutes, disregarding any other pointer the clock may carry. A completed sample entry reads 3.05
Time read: 10.30
